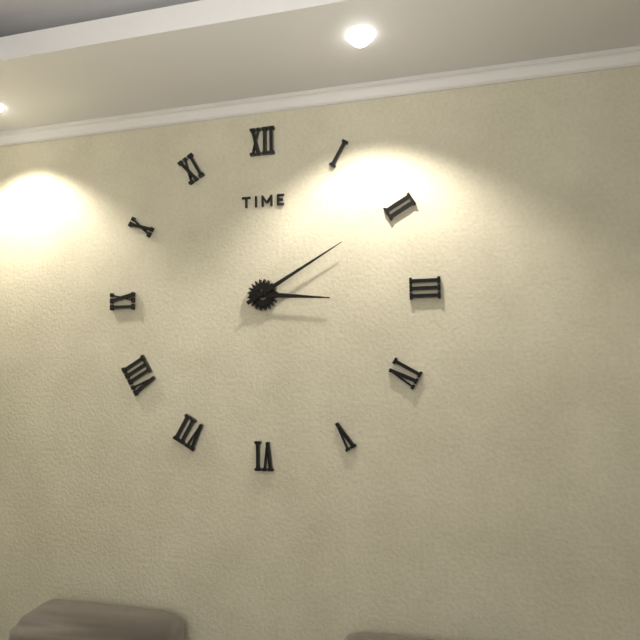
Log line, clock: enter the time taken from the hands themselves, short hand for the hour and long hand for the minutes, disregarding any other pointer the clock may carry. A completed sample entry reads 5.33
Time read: 3.10
